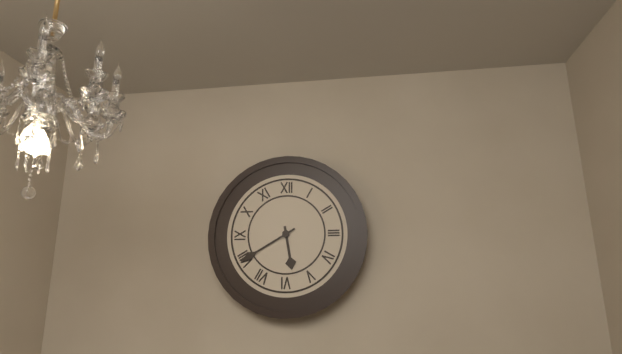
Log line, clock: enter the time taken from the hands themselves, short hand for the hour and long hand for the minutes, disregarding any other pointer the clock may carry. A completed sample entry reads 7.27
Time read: 5.40
